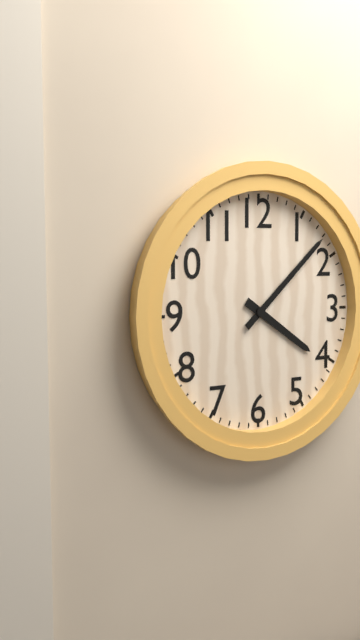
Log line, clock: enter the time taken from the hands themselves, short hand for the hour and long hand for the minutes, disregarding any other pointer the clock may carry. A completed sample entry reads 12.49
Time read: 4.08
